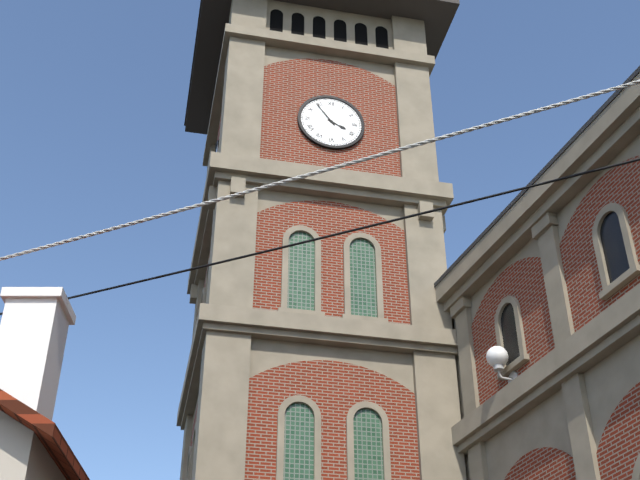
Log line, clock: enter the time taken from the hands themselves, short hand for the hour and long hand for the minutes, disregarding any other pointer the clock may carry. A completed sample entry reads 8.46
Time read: 3.54
